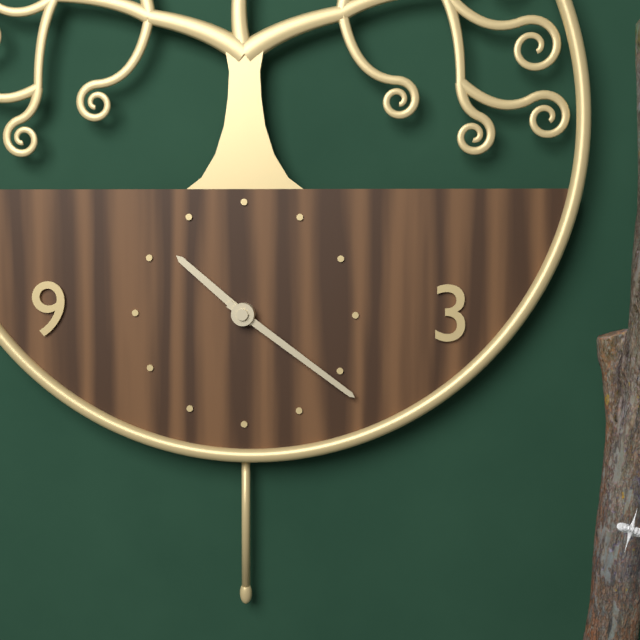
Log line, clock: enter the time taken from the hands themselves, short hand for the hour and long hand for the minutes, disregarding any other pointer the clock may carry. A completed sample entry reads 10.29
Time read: 10.21
